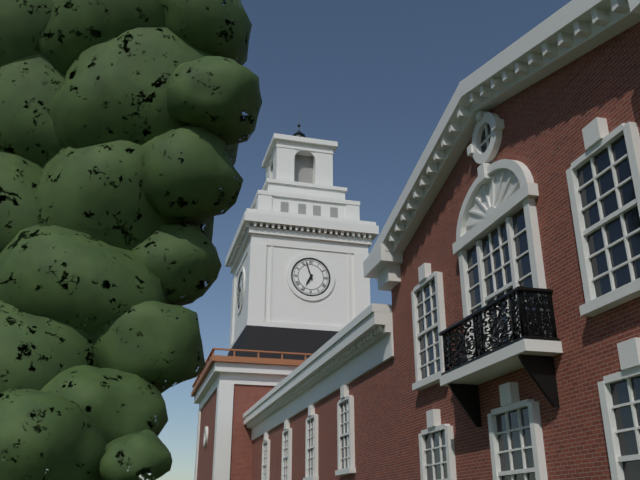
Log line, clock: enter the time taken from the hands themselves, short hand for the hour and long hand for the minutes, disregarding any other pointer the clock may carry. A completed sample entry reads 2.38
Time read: 6.57
